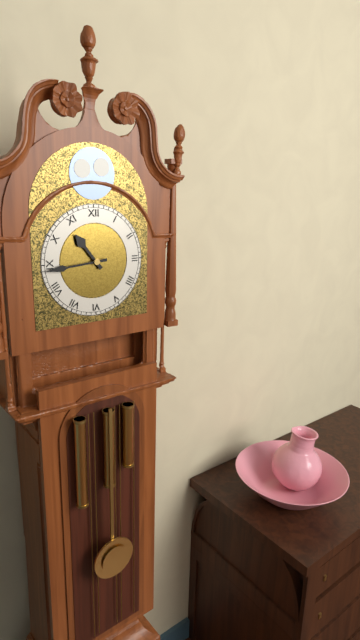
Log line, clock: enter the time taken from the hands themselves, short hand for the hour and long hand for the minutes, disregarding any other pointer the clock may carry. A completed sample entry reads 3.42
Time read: 10.44
